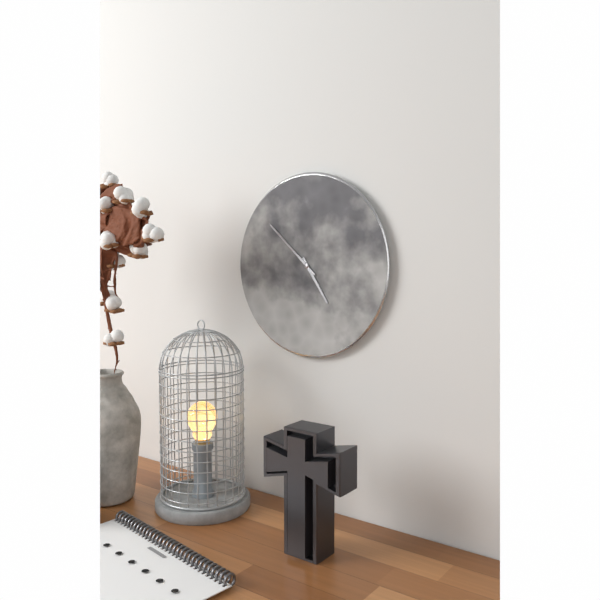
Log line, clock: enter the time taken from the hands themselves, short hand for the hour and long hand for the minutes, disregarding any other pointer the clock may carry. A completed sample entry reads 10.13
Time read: 4.52
